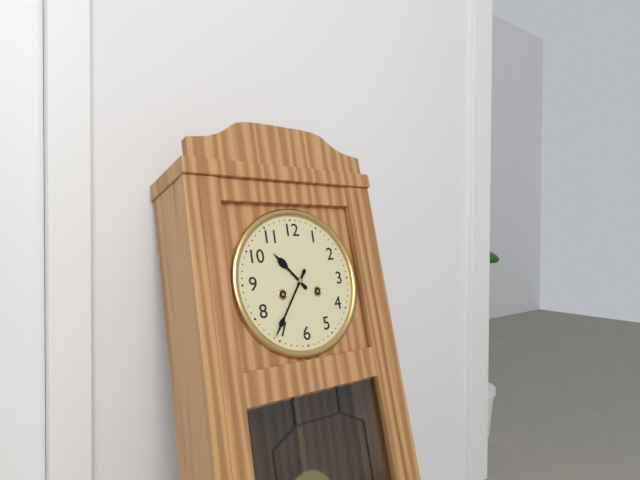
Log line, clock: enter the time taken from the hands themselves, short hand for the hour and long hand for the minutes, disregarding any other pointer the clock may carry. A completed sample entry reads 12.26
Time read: 10.36
